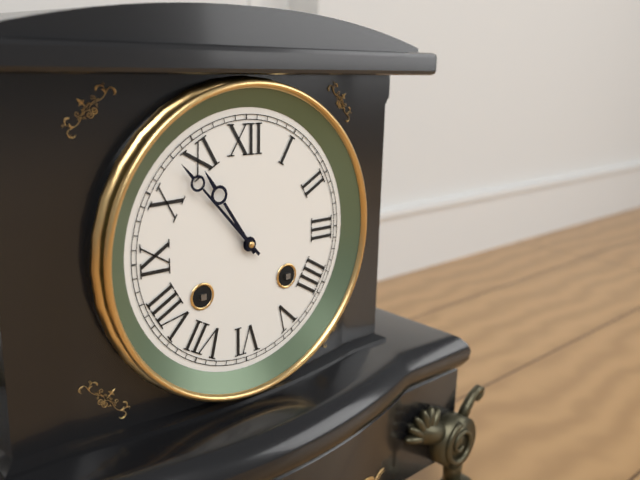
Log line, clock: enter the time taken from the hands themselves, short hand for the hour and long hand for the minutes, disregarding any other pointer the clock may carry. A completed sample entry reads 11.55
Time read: 10.53
